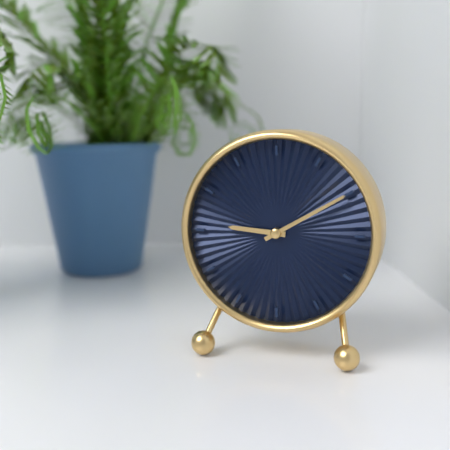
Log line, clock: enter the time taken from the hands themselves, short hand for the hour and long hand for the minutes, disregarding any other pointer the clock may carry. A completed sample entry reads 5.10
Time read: 9.10
